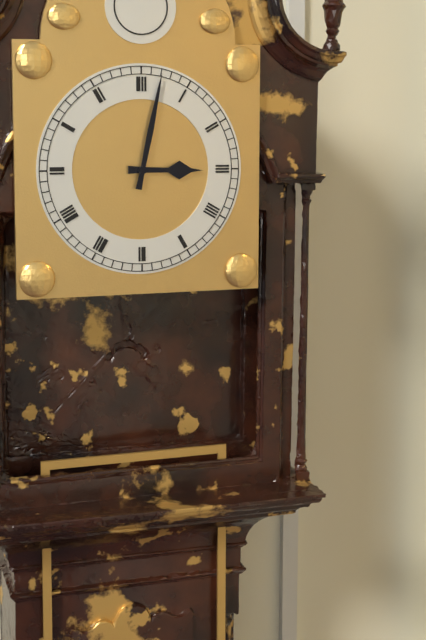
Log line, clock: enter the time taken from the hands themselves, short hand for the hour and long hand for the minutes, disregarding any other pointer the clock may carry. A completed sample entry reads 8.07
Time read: 3.02
